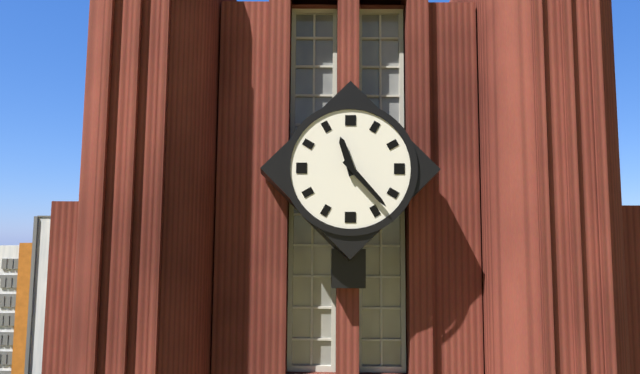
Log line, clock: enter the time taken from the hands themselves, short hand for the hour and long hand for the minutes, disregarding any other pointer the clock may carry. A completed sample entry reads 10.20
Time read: 11.23
